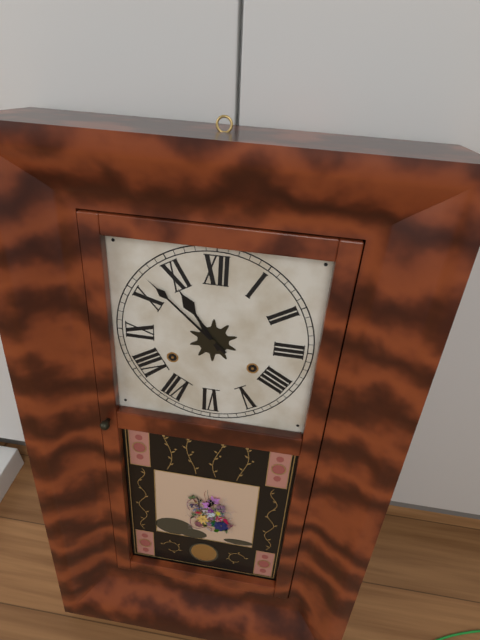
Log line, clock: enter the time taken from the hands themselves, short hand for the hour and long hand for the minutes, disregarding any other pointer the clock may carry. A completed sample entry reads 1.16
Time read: 10.52
